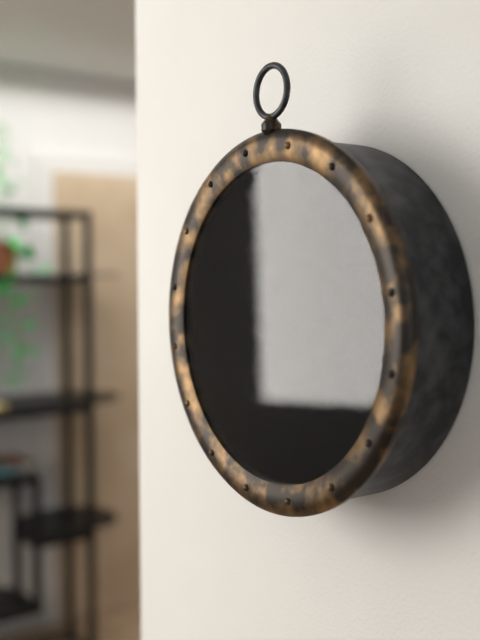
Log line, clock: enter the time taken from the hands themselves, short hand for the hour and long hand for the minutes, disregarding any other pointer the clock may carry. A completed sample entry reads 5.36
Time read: 12.36
